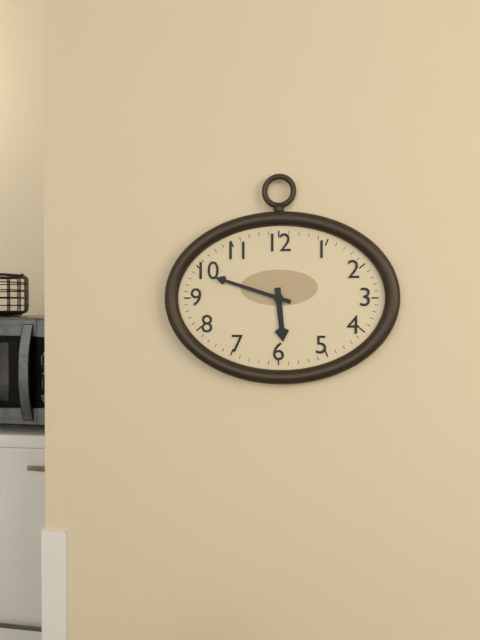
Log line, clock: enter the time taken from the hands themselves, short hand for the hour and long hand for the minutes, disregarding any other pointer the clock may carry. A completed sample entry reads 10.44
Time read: 5.48
